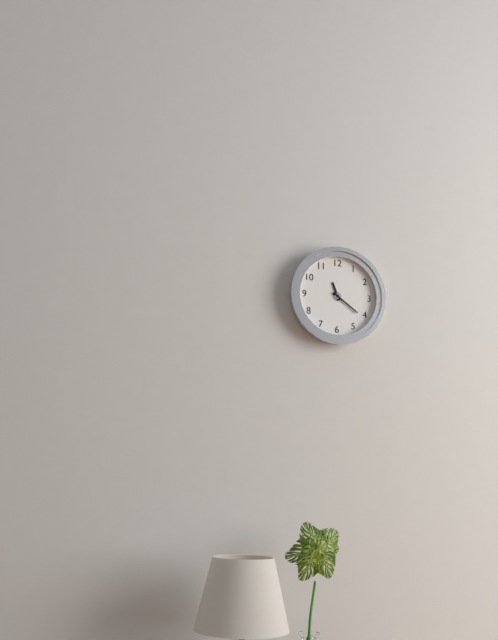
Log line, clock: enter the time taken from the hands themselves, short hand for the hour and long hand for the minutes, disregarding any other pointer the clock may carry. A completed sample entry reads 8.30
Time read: 11.21
